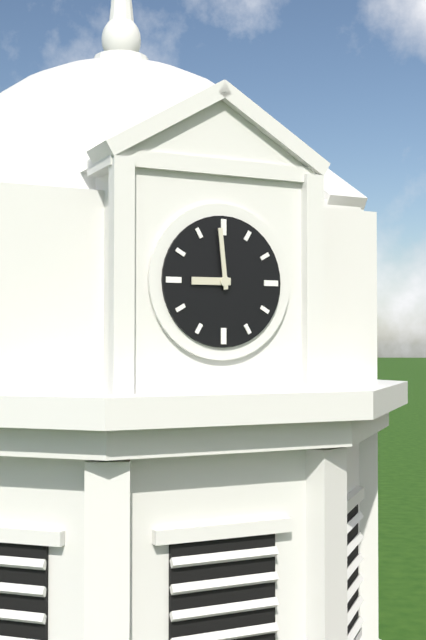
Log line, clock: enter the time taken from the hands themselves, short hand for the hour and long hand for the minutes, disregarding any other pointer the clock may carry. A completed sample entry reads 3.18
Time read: 8.59
